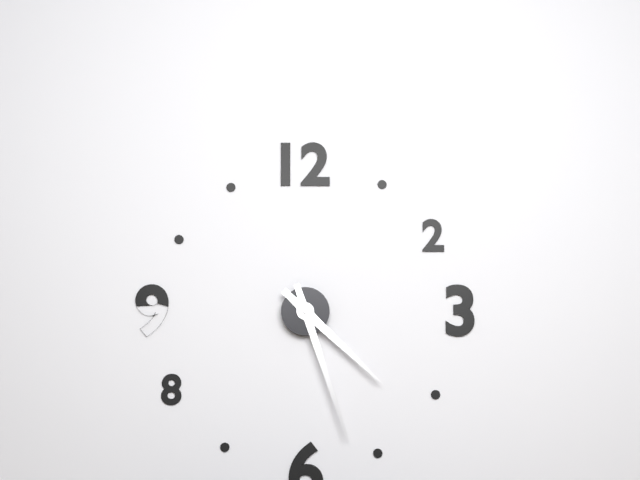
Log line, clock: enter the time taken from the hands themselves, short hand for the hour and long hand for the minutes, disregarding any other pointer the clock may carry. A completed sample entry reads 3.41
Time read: 4.27
